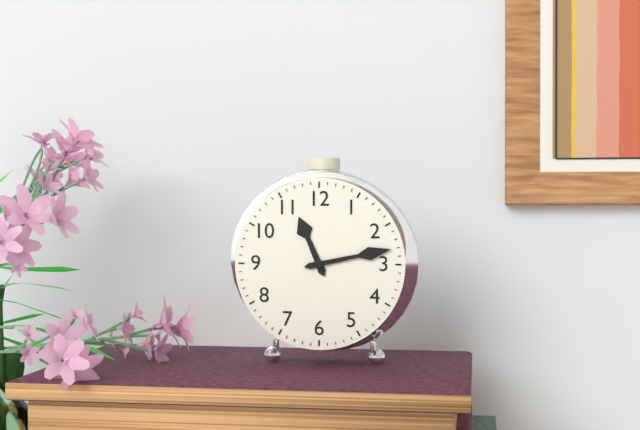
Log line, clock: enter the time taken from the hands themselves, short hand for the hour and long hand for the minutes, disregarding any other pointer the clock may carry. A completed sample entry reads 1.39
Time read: 11.13
